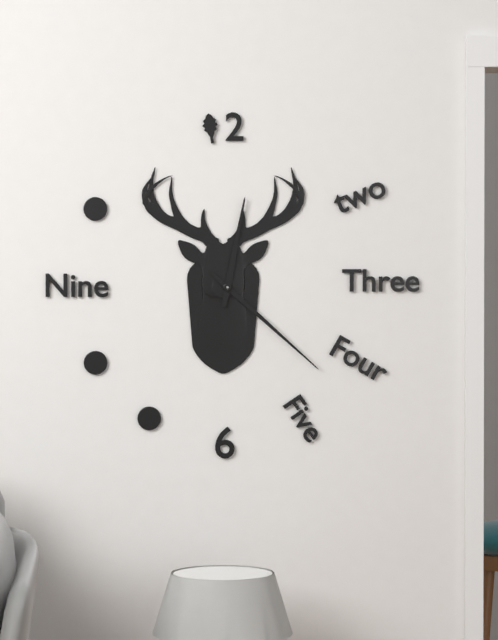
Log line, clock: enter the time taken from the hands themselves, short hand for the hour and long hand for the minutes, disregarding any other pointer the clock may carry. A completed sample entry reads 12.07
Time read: 12.22
